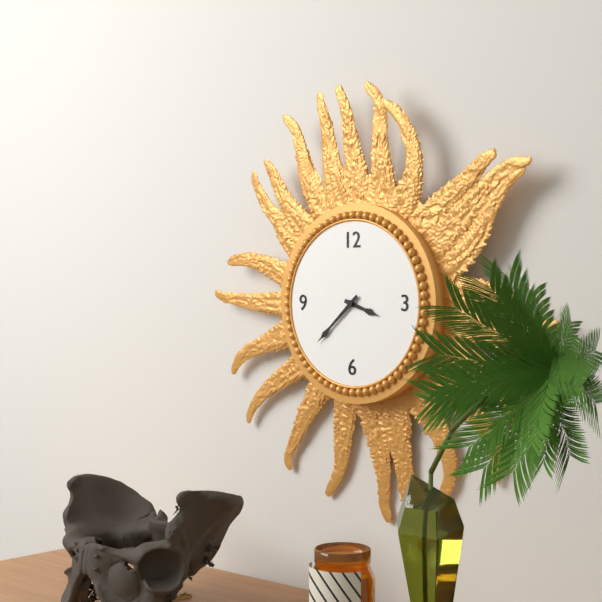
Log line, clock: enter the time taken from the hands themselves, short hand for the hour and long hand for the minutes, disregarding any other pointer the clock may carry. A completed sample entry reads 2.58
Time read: 3.38
